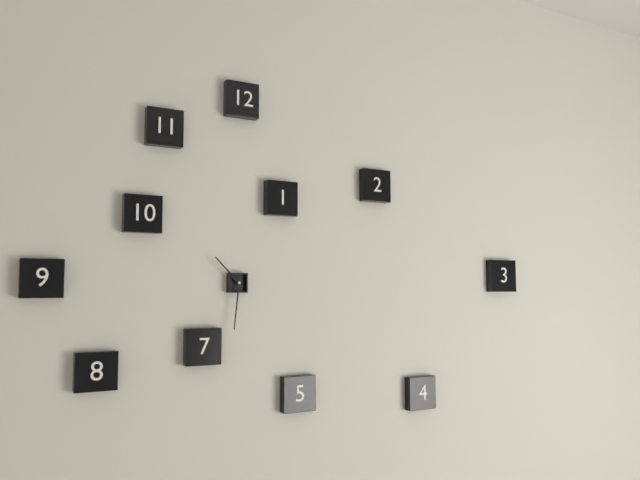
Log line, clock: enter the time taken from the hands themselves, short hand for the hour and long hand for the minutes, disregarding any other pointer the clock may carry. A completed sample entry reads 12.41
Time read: 10.31
